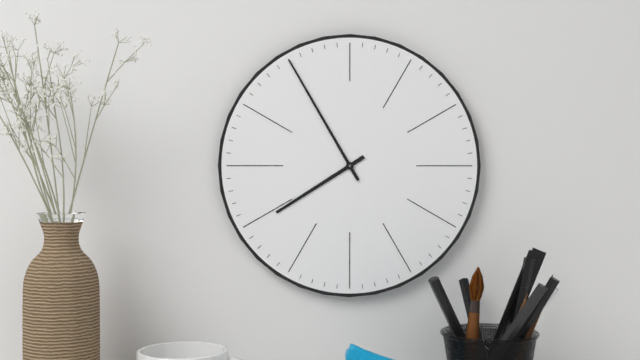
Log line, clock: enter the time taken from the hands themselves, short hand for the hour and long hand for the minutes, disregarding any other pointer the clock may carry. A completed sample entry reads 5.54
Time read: 7.55
